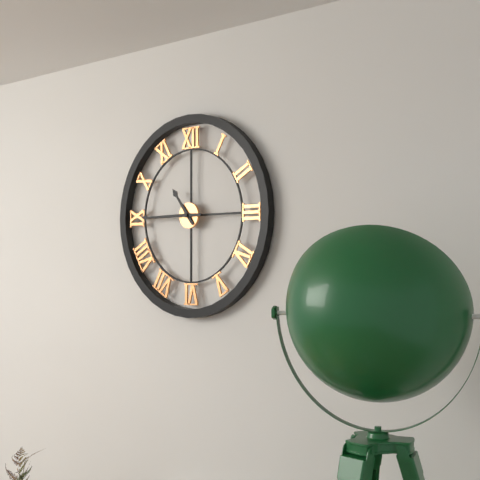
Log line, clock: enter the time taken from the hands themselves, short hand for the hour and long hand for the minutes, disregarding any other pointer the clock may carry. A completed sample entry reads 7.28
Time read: 10.45
